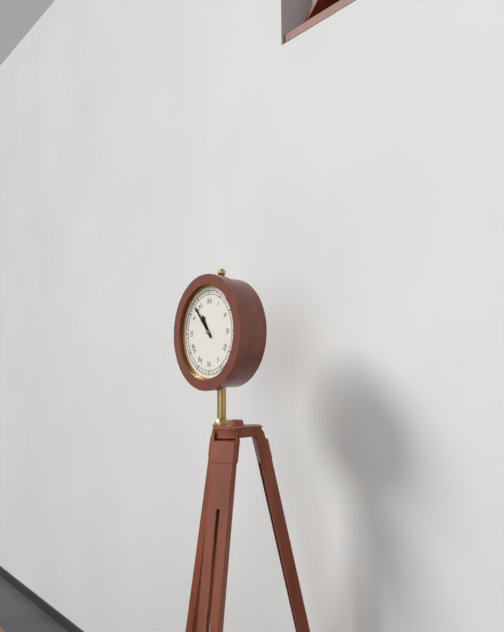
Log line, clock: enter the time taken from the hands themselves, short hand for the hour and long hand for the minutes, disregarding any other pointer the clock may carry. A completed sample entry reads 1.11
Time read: 10.53
